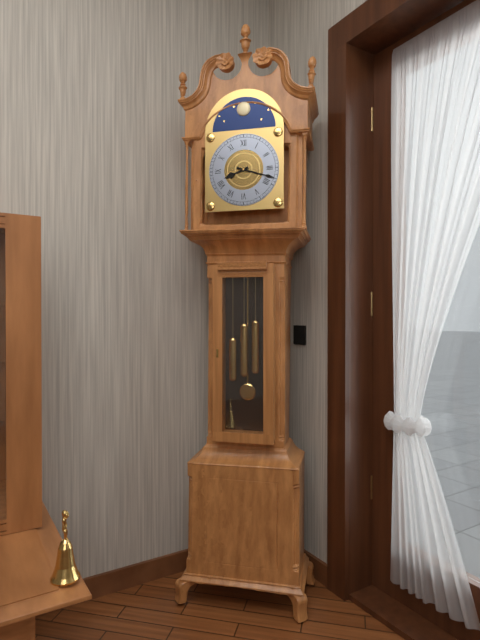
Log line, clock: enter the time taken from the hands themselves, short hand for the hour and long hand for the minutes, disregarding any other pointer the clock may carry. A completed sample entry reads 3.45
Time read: 8.18
